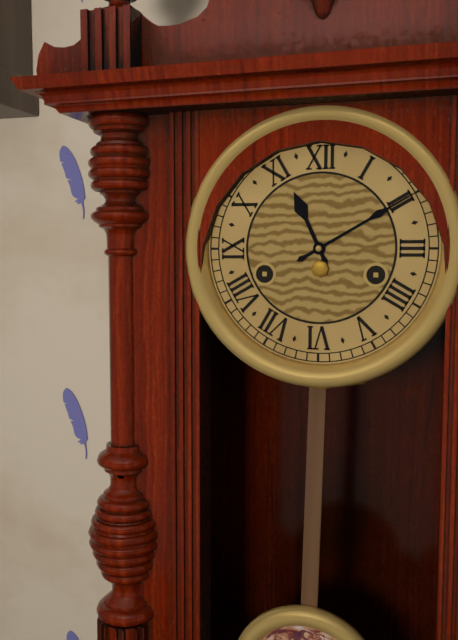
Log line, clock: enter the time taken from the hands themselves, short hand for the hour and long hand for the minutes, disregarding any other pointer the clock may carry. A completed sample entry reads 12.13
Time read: 11.10
